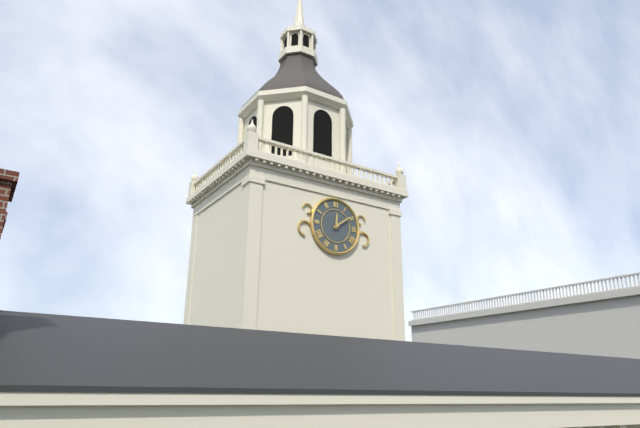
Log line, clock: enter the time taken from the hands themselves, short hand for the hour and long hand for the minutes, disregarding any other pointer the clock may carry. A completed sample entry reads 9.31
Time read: 12.09
